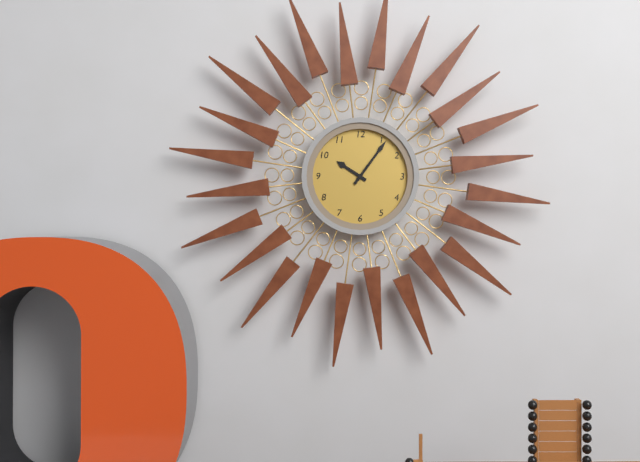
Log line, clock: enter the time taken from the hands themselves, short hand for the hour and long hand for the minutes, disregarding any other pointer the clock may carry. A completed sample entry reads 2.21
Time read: 10.06
